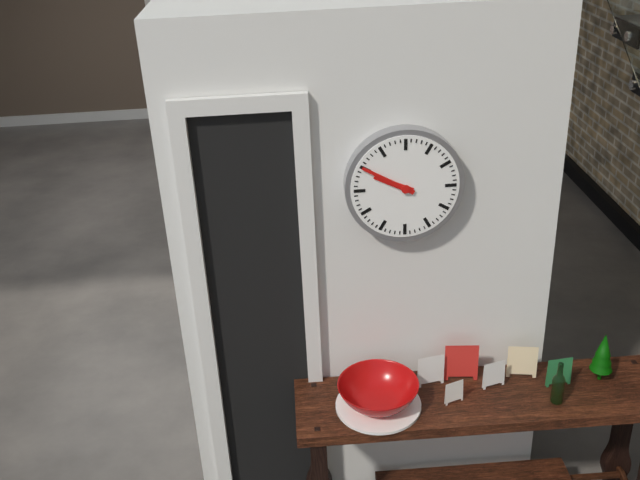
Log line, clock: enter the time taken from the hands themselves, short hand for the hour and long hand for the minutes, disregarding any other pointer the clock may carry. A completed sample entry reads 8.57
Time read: 9.50
